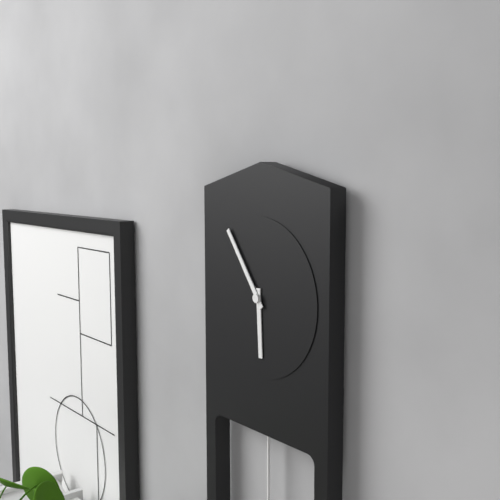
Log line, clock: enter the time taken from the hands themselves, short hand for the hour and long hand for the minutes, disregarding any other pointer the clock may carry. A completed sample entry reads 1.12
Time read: 5.54
